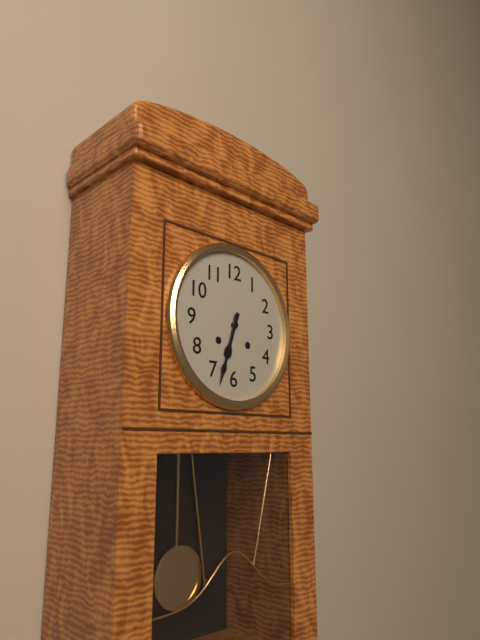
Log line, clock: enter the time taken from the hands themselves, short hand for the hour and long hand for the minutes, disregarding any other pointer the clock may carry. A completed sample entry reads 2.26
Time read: 6.33
